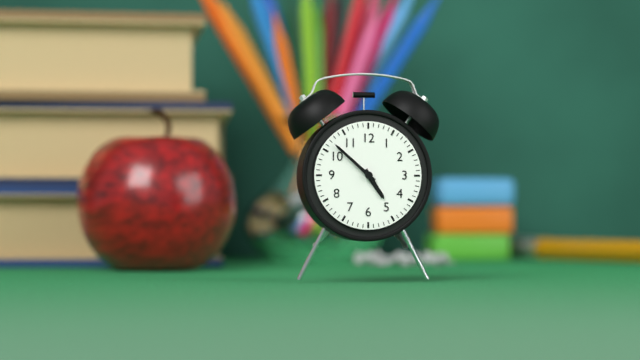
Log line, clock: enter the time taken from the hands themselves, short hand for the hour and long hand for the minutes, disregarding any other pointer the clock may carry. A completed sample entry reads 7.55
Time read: 4.52
